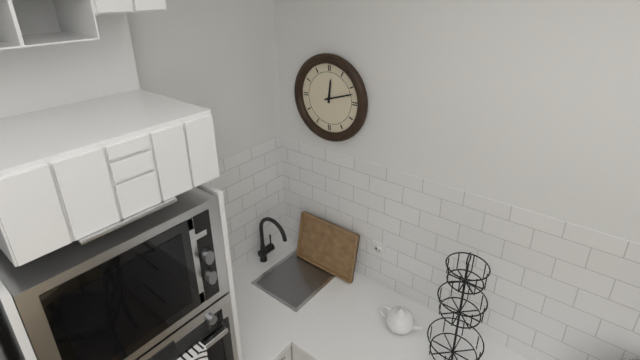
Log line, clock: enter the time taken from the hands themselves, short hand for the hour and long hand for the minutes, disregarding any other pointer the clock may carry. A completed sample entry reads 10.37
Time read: 12.12
